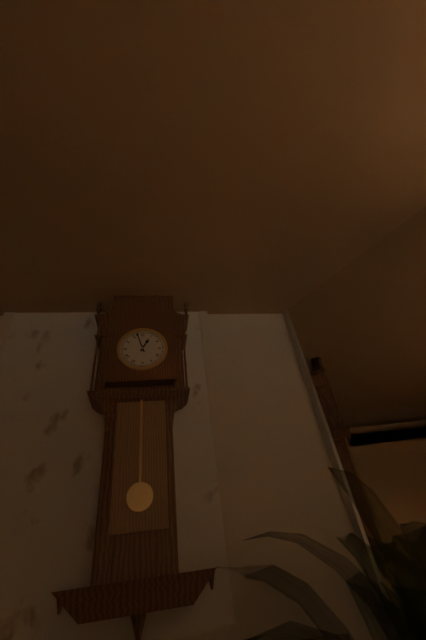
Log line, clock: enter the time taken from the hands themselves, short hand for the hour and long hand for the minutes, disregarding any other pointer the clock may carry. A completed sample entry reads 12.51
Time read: 12.57
